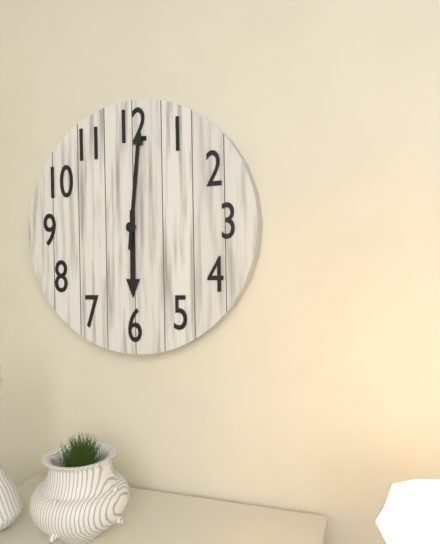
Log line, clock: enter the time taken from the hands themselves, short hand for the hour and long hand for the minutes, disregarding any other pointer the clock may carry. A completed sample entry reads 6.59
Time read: 6.01
